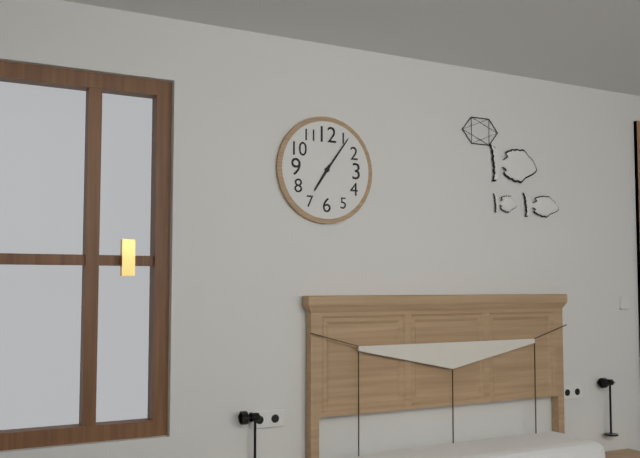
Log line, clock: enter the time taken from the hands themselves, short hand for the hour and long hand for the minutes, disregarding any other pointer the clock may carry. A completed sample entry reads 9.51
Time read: 7.06
